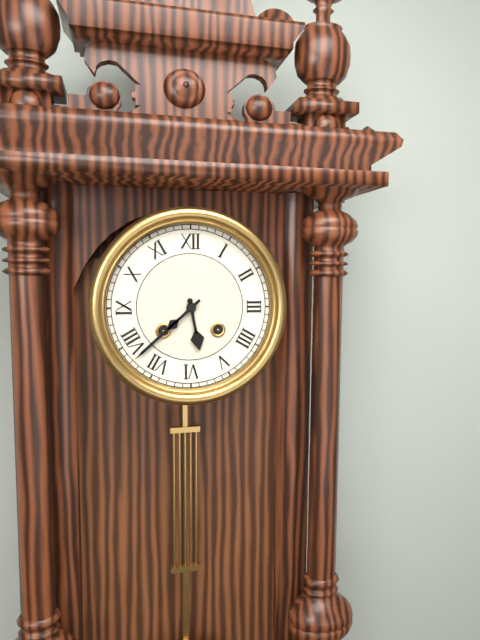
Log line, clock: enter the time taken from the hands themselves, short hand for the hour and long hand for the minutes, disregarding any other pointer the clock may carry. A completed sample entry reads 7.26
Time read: 5.38
